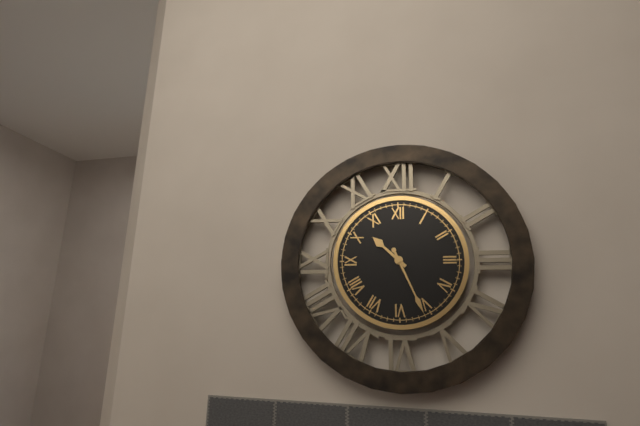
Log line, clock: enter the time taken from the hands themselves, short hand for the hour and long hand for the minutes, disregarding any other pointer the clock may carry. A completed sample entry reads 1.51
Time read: 10.26
